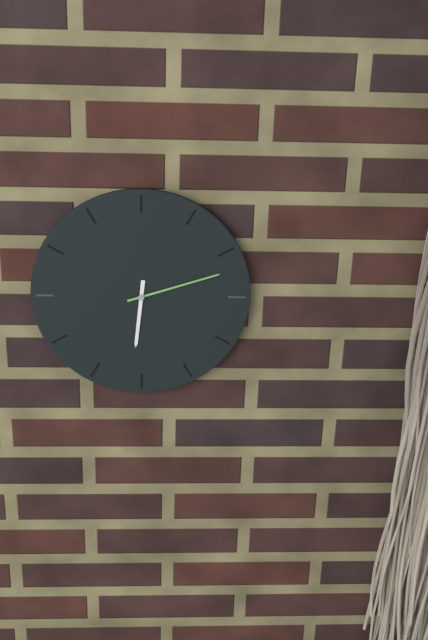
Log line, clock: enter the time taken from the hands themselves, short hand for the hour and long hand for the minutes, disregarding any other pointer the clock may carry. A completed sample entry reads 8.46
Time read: 6.12
